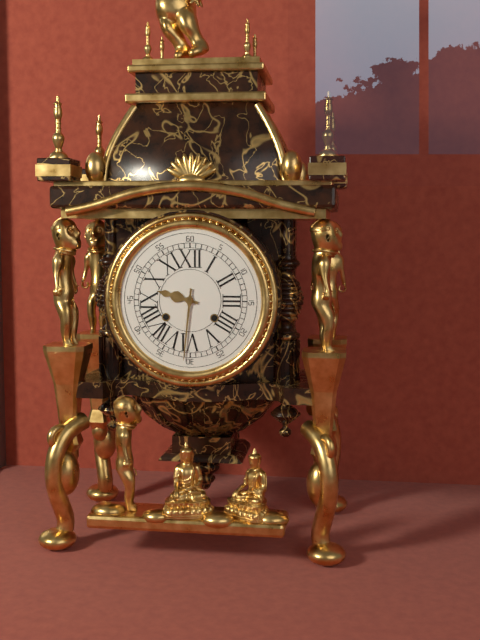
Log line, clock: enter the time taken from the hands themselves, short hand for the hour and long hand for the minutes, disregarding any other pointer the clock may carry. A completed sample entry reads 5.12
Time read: 9.31
